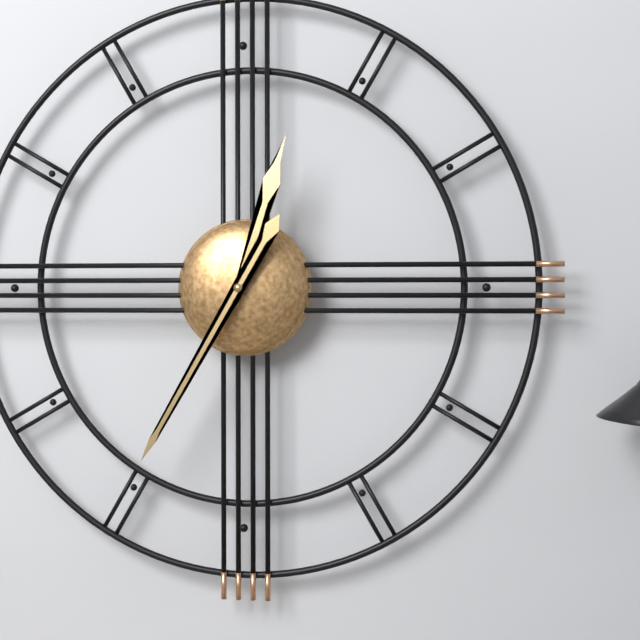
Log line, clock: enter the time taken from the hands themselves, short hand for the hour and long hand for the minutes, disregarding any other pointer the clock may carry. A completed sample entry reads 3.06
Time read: 12.35
